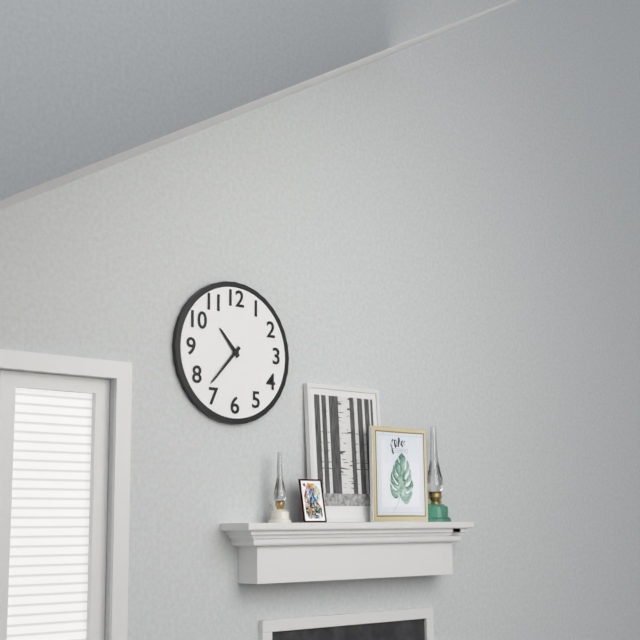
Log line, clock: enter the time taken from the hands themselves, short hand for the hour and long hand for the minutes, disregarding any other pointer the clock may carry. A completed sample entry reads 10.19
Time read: 10.37
